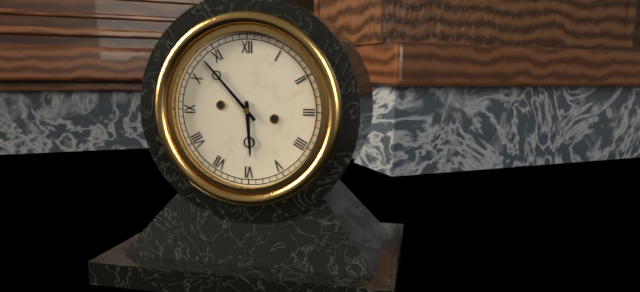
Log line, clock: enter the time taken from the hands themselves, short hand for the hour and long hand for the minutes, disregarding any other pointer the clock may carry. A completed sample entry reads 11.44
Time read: 5.53
